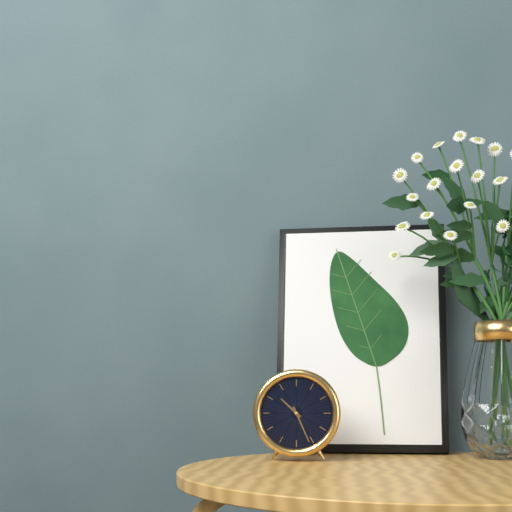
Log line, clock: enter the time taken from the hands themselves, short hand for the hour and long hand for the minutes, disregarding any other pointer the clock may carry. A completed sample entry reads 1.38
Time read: 10.26
